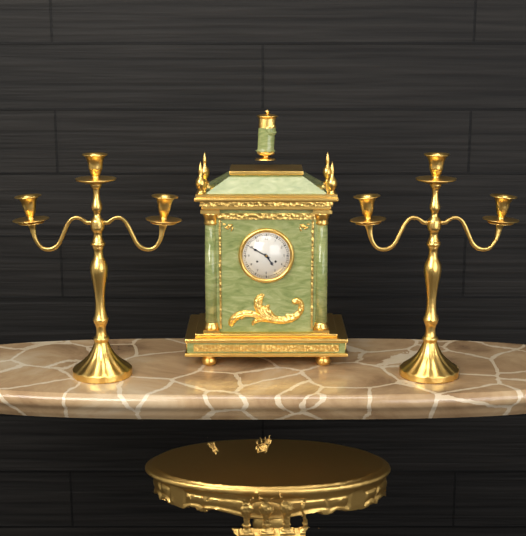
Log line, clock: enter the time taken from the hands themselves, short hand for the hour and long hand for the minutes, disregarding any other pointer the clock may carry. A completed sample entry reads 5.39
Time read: 4.50
